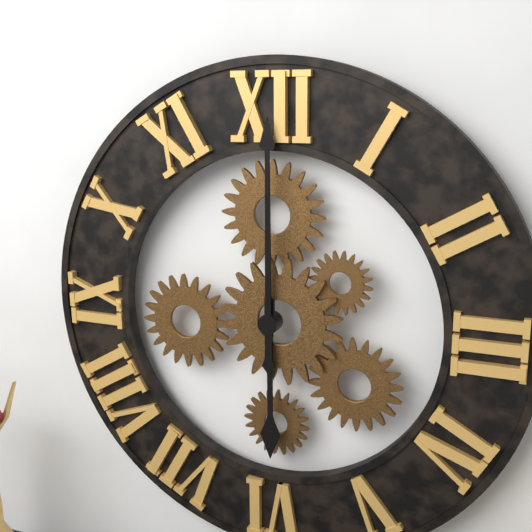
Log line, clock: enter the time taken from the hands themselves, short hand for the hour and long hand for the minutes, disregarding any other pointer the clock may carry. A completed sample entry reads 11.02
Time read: 6.00
